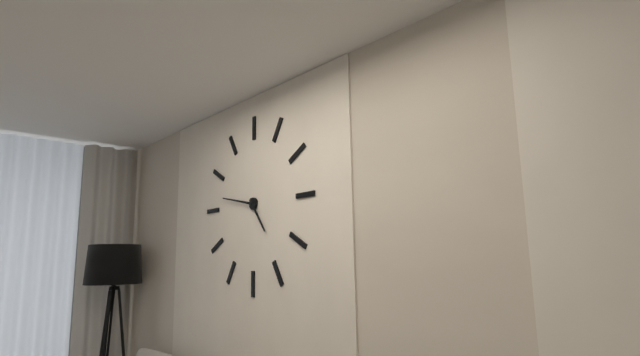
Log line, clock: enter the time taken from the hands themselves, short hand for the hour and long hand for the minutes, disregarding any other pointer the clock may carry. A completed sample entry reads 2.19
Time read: 4.47
